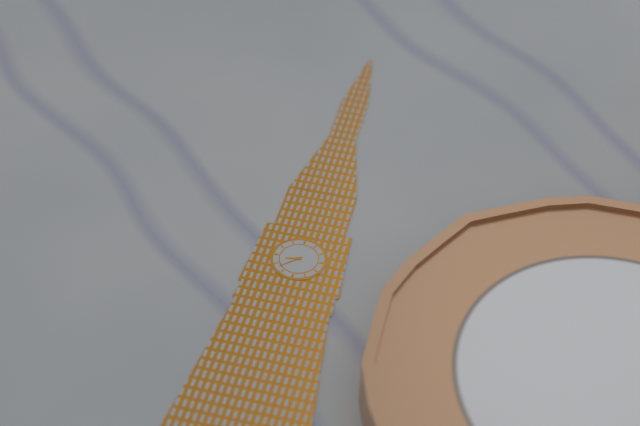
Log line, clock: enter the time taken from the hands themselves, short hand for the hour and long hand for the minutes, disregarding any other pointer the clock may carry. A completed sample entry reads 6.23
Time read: 8.38
